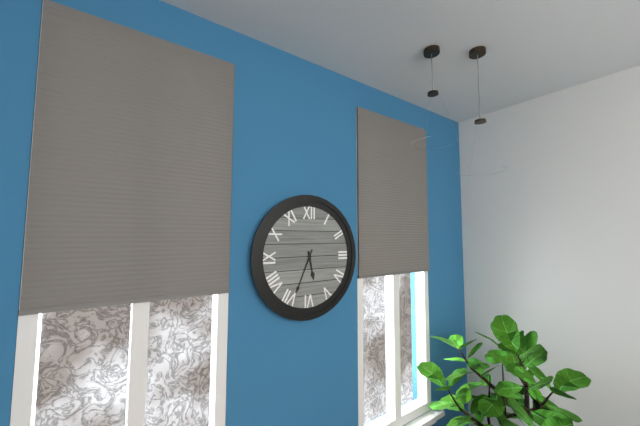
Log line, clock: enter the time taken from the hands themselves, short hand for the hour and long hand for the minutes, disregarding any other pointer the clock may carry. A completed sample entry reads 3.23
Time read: 5.34
